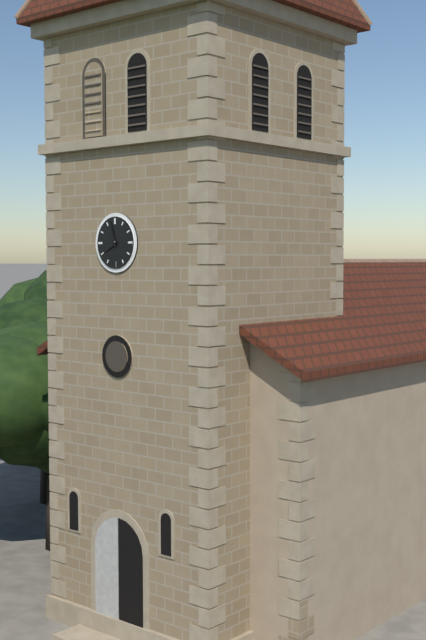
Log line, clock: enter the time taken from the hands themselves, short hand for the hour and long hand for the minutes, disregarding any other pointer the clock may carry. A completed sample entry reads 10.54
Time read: 7.57
